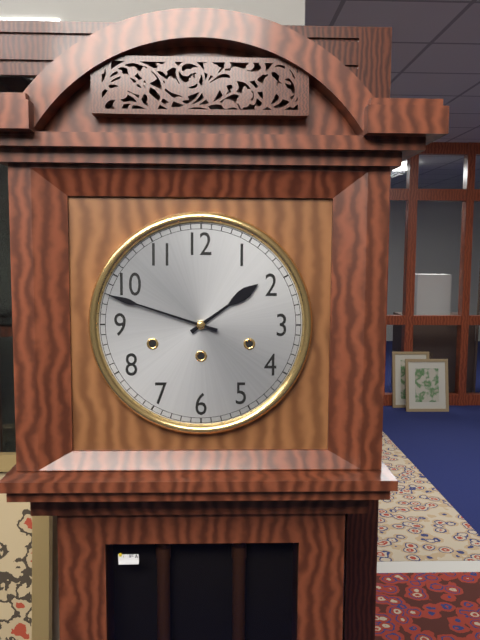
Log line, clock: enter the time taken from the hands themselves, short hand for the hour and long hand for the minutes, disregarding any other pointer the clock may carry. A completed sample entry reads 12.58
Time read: 1.48
